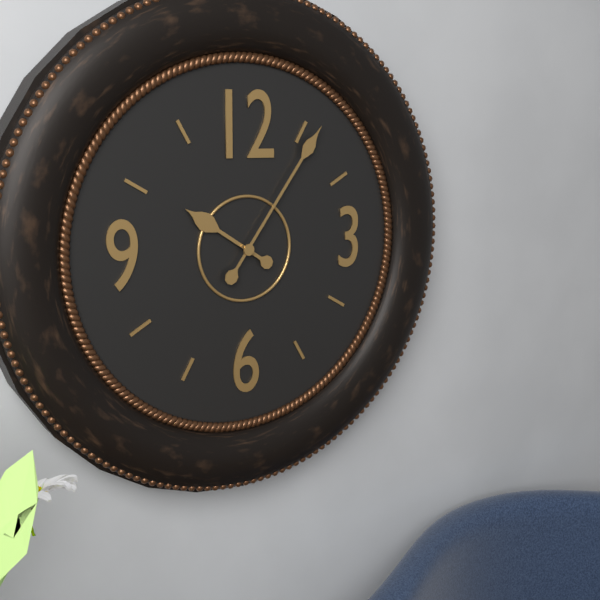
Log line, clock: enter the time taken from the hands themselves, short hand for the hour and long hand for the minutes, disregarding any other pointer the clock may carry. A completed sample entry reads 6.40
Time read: 10.06
